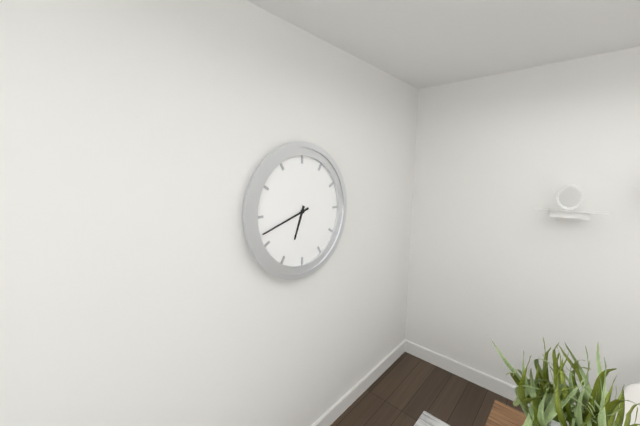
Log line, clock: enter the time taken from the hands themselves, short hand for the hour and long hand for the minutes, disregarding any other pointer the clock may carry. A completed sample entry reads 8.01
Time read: 6.42
